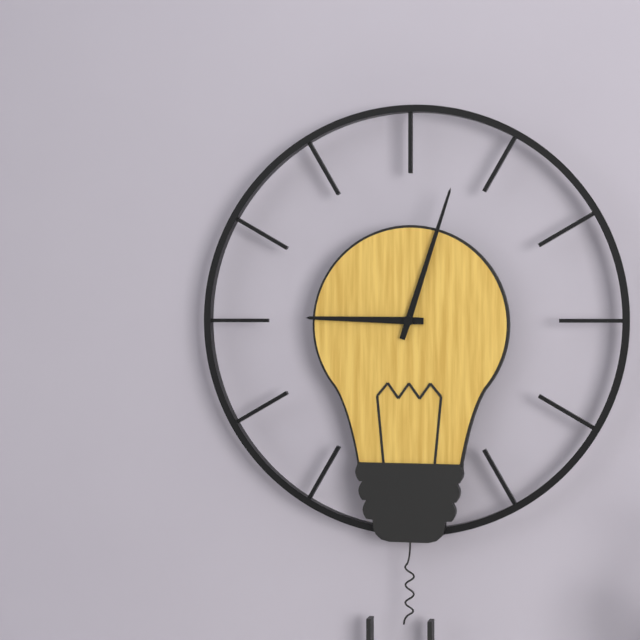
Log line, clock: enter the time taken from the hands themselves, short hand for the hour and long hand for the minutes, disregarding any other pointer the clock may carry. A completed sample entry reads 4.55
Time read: 9.03
